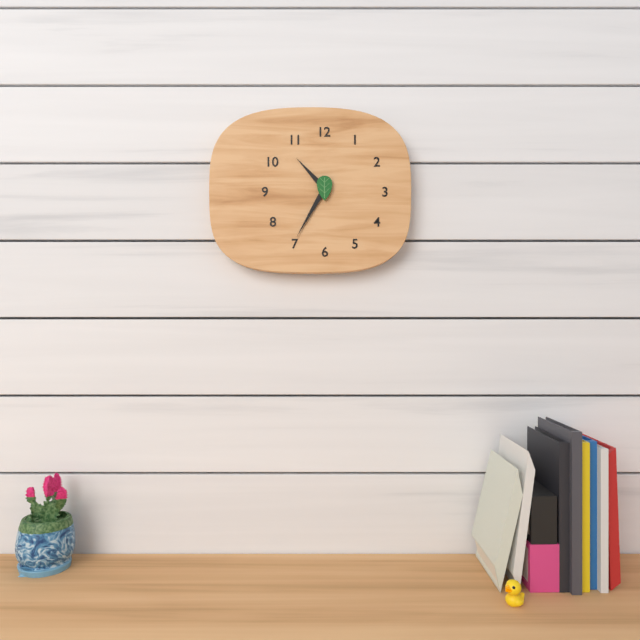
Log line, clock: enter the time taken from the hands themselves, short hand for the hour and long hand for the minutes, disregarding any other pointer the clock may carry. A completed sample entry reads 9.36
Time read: 10.35
